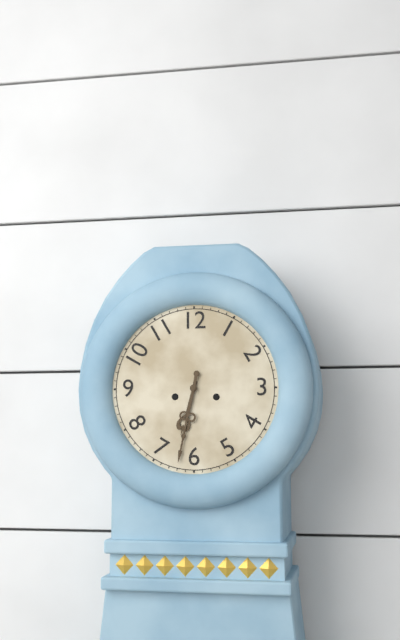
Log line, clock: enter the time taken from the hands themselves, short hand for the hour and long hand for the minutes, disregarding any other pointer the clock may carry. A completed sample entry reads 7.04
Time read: 6.32
